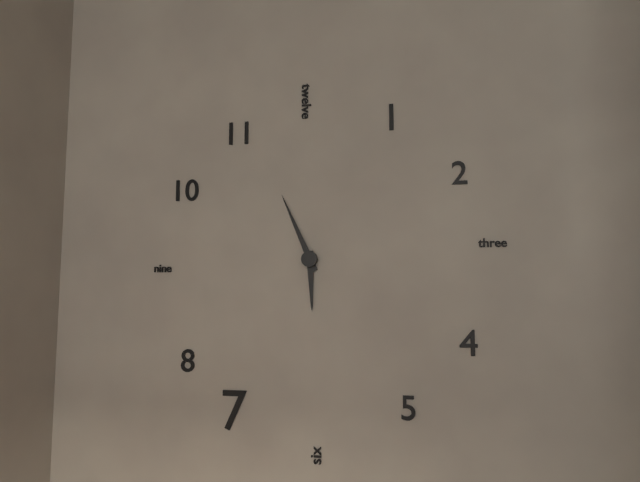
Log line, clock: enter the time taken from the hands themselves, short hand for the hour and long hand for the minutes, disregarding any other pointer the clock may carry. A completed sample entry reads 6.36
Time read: 5.56
